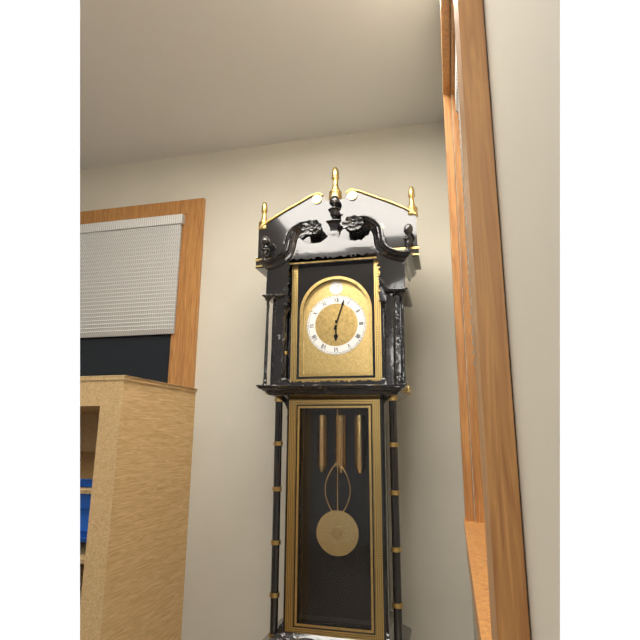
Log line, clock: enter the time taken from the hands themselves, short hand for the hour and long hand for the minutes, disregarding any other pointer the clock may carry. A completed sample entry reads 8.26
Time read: 6.03
